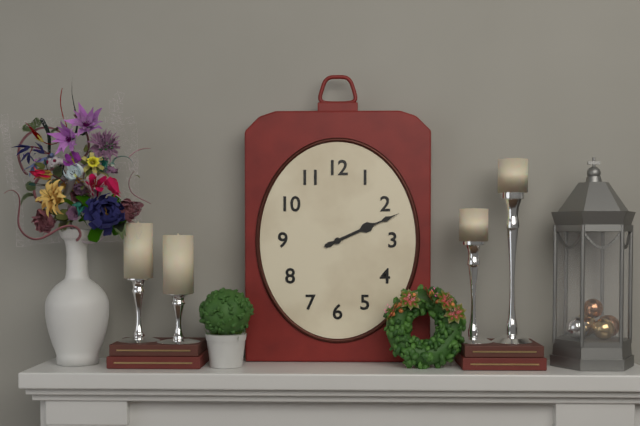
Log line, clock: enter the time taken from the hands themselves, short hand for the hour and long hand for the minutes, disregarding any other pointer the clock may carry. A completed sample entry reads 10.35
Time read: 2.11
